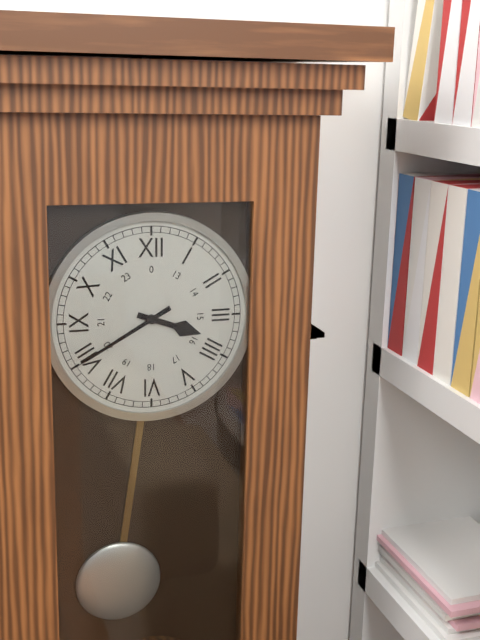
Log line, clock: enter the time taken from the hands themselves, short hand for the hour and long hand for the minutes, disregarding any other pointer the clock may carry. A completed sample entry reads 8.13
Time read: 3.40
